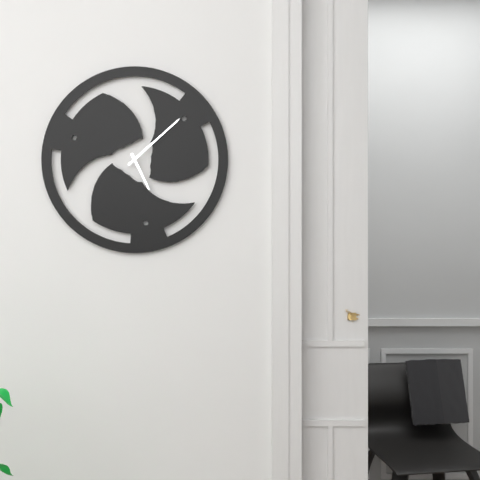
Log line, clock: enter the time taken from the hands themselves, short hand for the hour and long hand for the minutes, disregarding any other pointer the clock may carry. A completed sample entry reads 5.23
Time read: 5.08
